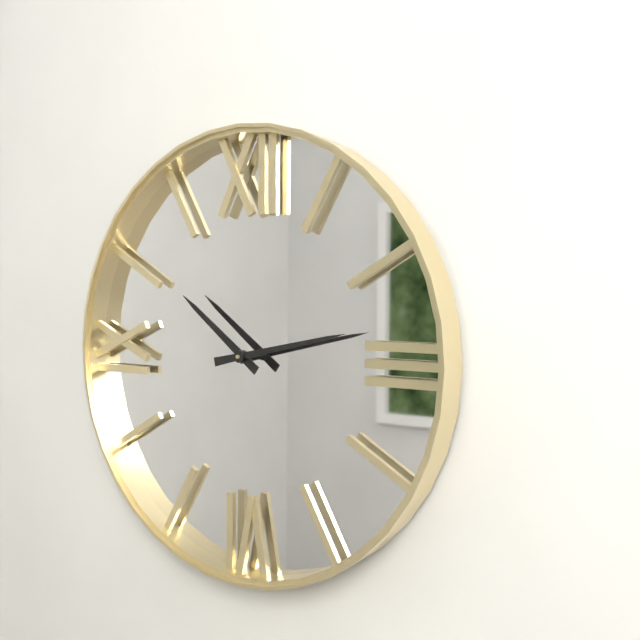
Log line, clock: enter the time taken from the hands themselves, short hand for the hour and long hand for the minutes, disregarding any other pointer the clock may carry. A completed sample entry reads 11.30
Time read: 10.13
